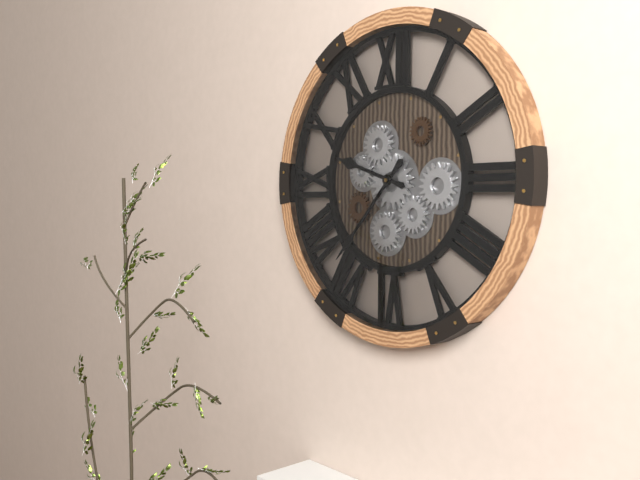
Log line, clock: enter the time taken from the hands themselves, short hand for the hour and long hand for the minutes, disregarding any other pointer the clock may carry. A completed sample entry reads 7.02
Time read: 9.37
